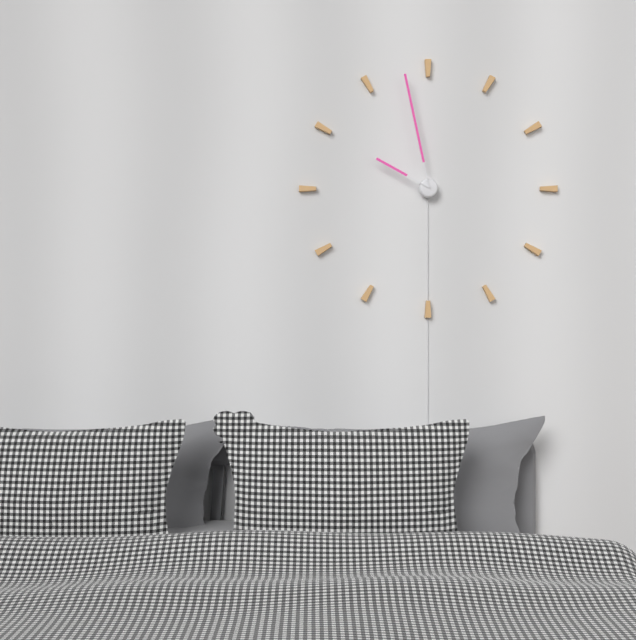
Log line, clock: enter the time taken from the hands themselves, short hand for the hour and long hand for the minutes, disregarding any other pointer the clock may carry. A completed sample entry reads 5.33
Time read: 9.58
